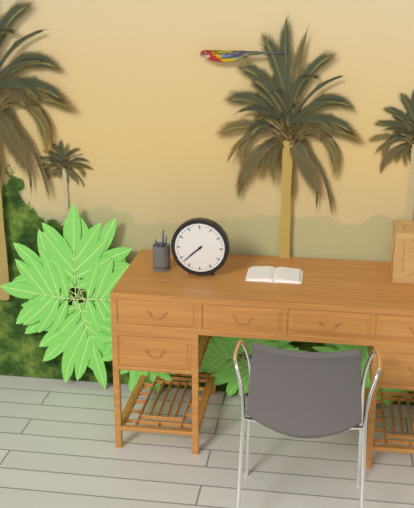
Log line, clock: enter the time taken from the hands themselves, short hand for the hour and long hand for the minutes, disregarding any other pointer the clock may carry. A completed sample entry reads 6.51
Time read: 7.38
